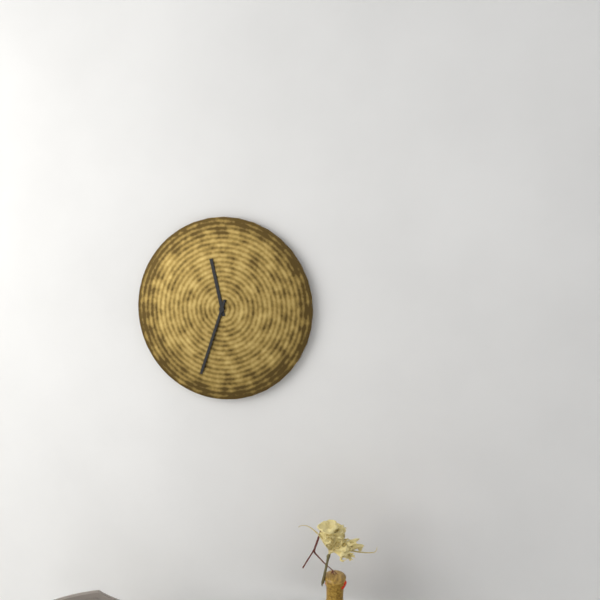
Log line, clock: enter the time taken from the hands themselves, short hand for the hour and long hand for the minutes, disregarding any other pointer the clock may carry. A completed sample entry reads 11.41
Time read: 11.33
